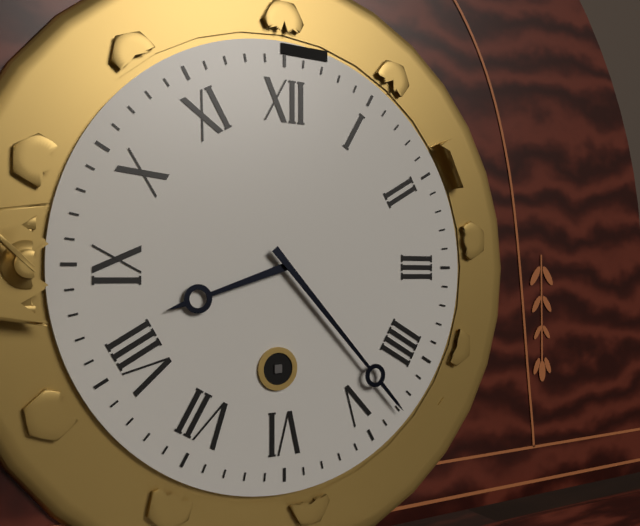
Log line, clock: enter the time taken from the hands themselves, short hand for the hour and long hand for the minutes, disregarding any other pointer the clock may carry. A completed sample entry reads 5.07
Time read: 8.23
